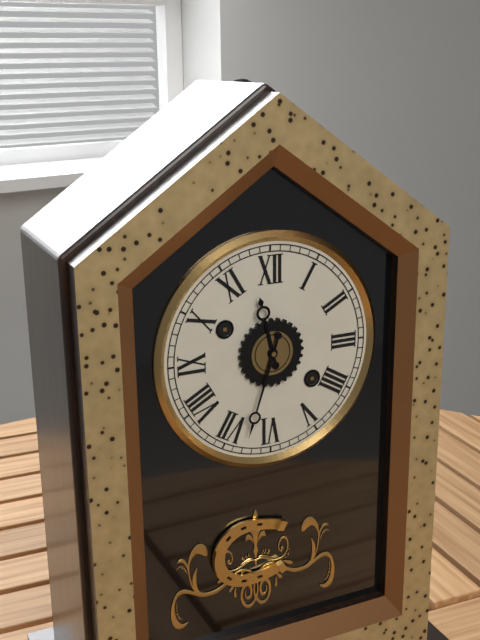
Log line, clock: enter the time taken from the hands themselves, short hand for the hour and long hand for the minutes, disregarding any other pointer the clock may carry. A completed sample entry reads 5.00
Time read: 11.33
